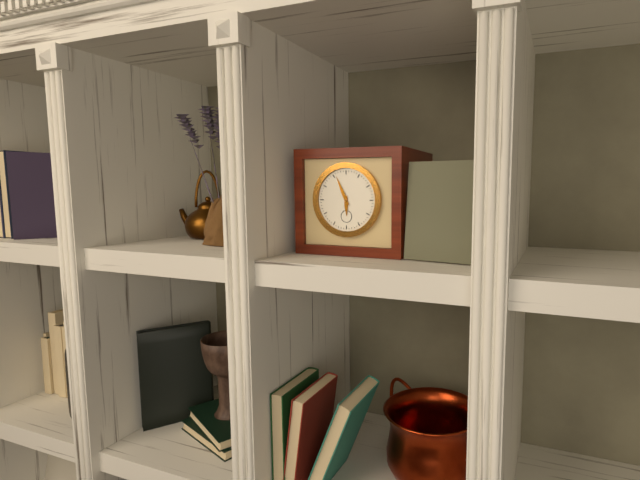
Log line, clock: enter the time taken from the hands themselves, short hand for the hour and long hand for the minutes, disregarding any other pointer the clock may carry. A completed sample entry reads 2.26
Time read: 5.56
